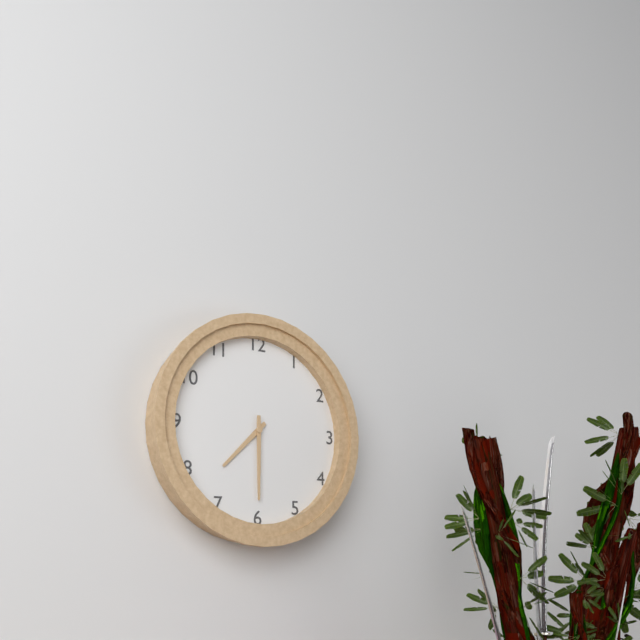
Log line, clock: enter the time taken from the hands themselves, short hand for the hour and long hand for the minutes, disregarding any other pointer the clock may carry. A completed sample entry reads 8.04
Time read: 7.30
